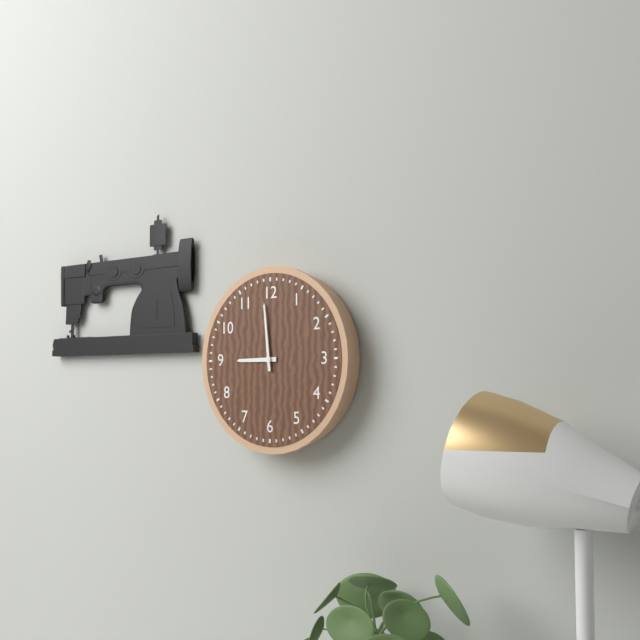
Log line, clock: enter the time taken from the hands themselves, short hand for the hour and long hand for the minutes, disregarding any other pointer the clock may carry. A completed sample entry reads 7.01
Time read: 8.59
